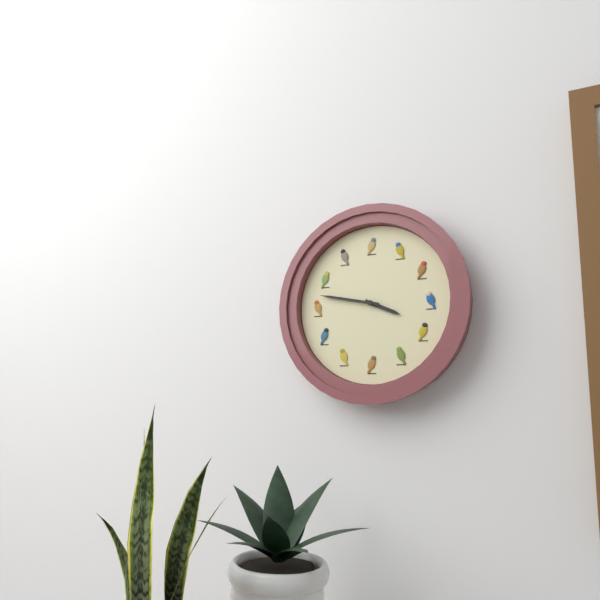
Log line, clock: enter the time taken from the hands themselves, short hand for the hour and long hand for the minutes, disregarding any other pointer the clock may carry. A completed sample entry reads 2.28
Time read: 3.47
